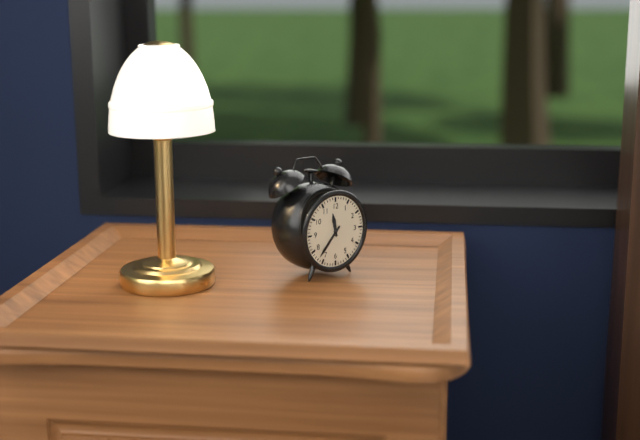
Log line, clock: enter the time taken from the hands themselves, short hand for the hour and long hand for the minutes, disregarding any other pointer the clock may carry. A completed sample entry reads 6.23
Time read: 11.37
